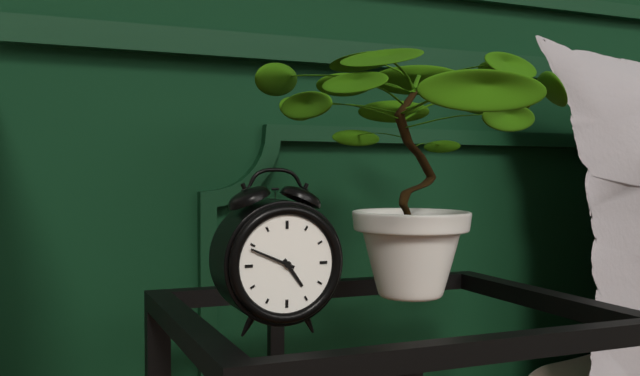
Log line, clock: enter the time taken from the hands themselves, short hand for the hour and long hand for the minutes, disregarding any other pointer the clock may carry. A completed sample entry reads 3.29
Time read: 4.49
